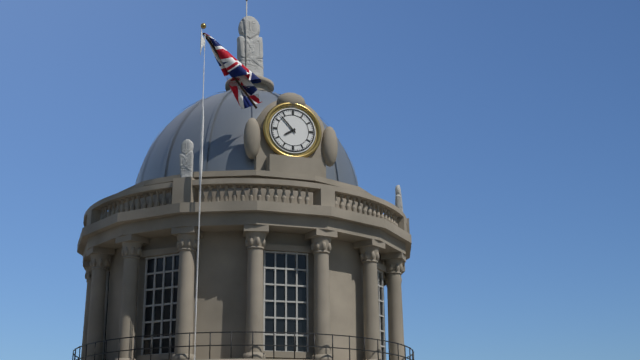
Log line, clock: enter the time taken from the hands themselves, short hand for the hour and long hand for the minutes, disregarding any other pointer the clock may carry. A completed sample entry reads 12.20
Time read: 7.53
